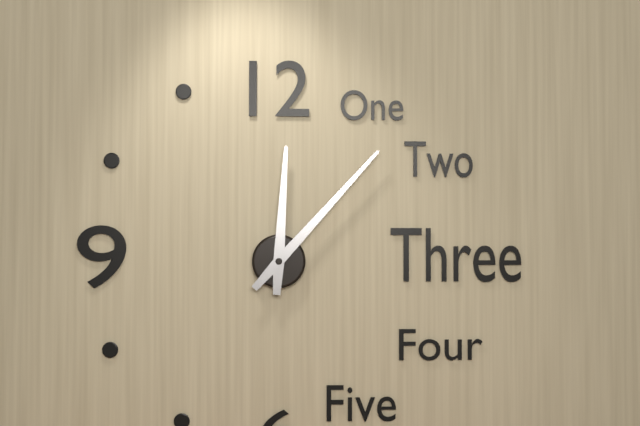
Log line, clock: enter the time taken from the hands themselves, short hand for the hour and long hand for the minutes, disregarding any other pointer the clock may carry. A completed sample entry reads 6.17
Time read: 12.07
